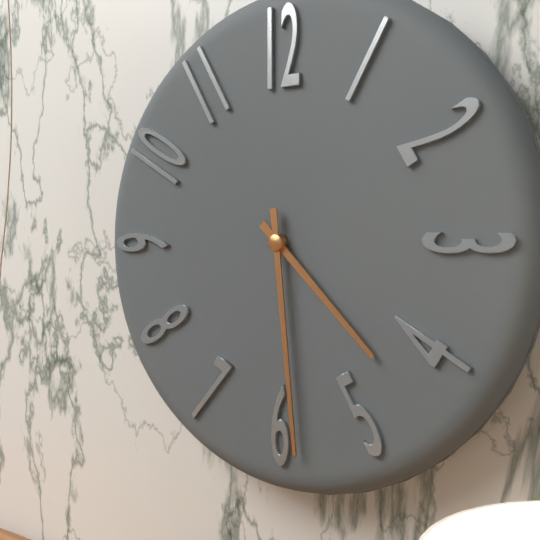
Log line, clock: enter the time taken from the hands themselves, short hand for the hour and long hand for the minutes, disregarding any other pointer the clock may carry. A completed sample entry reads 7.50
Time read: 4.29
